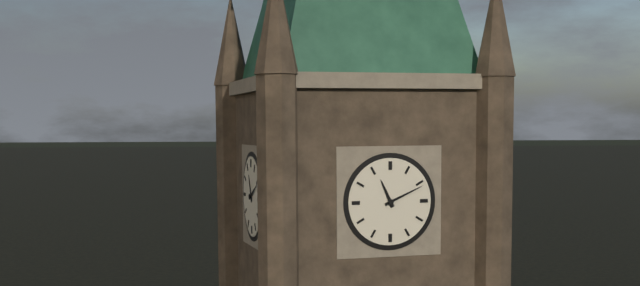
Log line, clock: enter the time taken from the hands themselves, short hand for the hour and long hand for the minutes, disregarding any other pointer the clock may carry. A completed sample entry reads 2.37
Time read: 11.11
